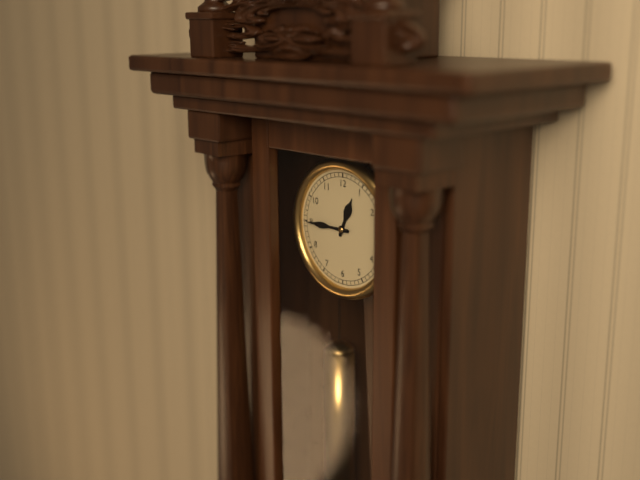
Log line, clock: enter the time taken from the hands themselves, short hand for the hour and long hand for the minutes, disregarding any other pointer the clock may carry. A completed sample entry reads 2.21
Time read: 12.45
